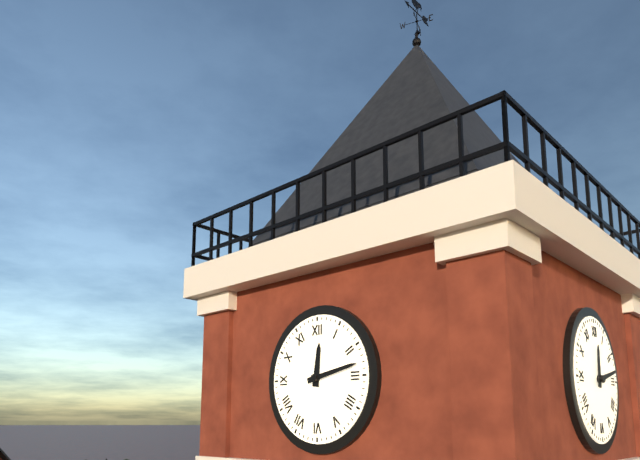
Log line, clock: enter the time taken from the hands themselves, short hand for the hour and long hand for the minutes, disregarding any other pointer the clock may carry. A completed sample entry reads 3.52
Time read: 12.13
